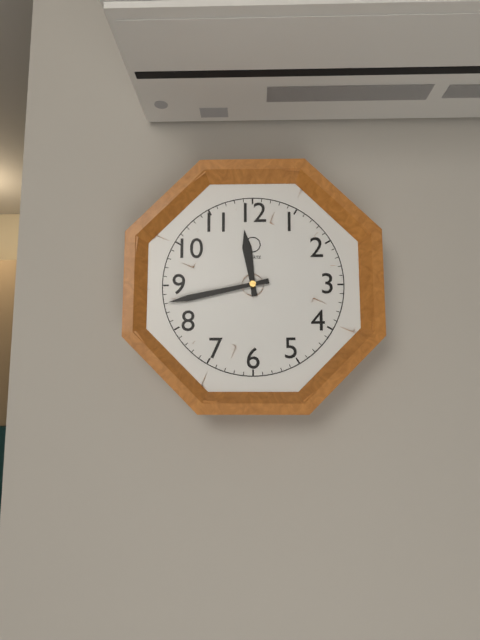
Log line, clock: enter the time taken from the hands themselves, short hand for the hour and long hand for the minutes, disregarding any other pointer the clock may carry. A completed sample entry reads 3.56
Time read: 11.43
